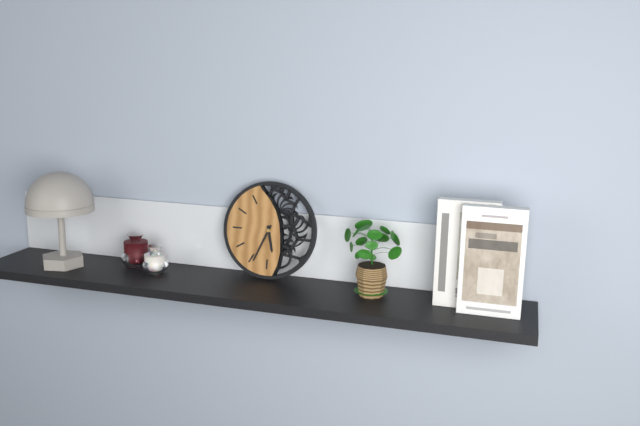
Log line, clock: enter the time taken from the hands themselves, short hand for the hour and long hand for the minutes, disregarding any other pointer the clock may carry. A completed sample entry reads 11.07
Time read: 5.34
